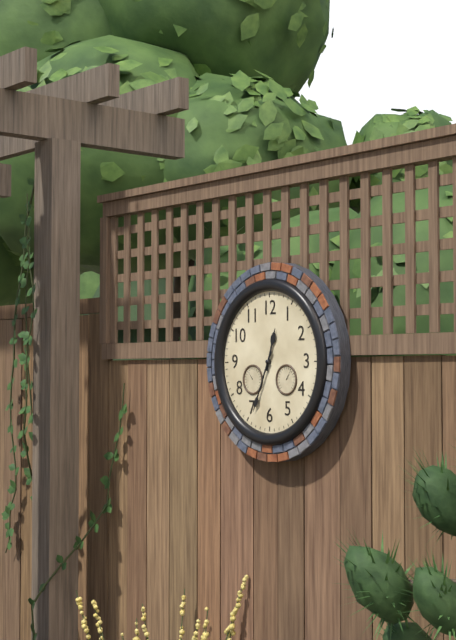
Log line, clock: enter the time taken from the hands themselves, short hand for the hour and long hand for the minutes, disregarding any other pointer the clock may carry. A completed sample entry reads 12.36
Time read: 12.34
